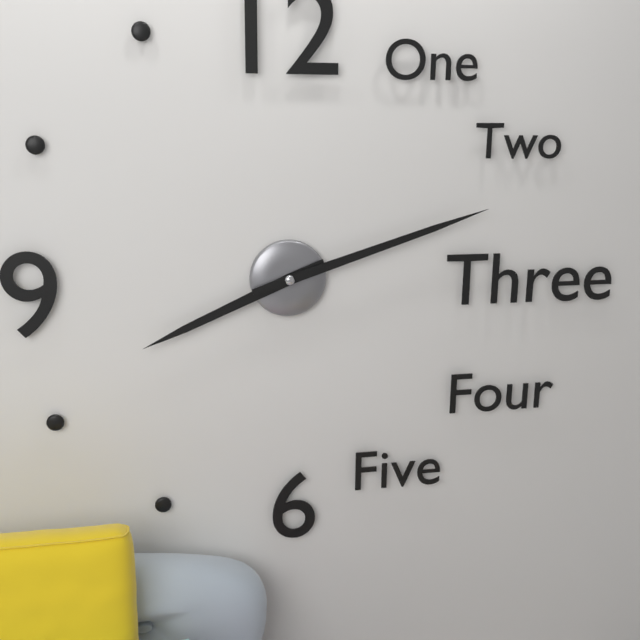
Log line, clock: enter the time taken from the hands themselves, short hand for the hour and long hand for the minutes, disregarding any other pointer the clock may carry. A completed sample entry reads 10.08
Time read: 8.12
